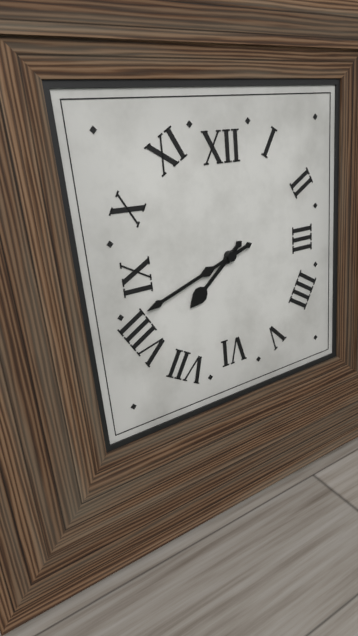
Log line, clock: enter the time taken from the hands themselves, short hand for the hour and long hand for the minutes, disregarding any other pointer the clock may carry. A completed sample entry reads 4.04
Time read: 7.42
